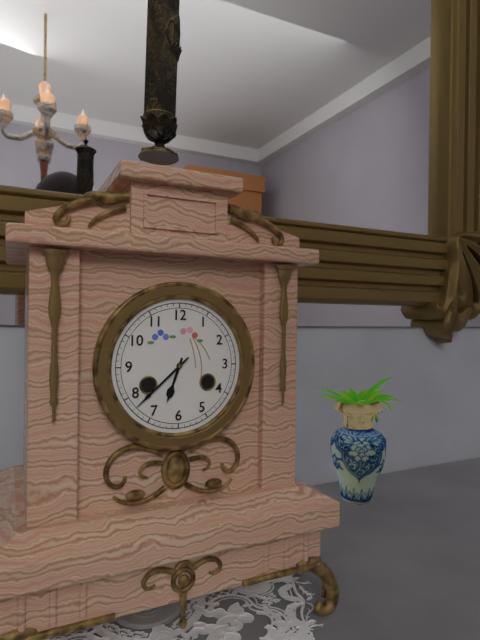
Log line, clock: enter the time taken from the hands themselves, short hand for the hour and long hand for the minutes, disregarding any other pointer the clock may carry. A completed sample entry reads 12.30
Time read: 6.38
